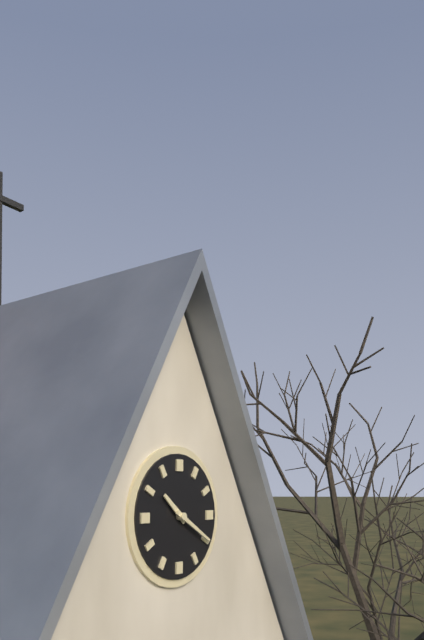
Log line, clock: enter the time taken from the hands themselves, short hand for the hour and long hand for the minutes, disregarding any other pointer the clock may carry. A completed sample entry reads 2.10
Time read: 10.20
